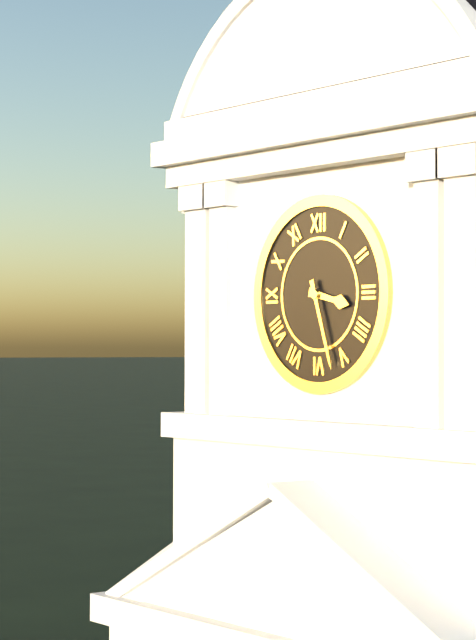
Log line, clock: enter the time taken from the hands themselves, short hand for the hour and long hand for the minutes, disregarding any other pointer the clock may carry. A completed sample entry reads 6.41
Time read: 3.27
